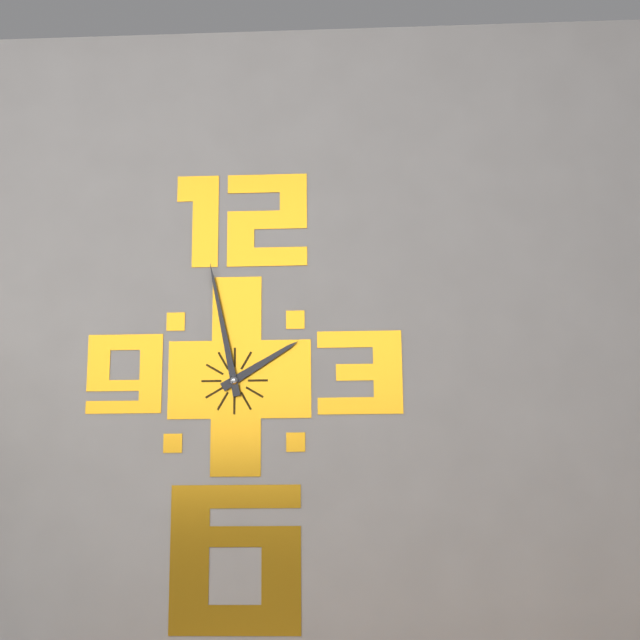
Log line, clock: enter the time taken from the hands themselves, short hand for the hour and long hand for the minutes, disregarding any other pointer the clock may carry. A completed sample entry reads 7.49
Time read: 1.58
